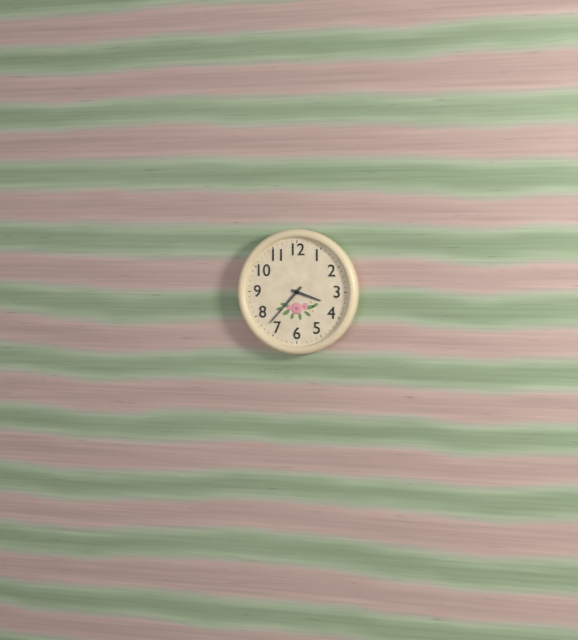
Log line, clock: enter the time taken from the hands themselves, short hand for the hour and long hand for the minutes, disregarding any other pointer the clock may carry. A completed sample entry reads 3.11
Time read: 3.37
